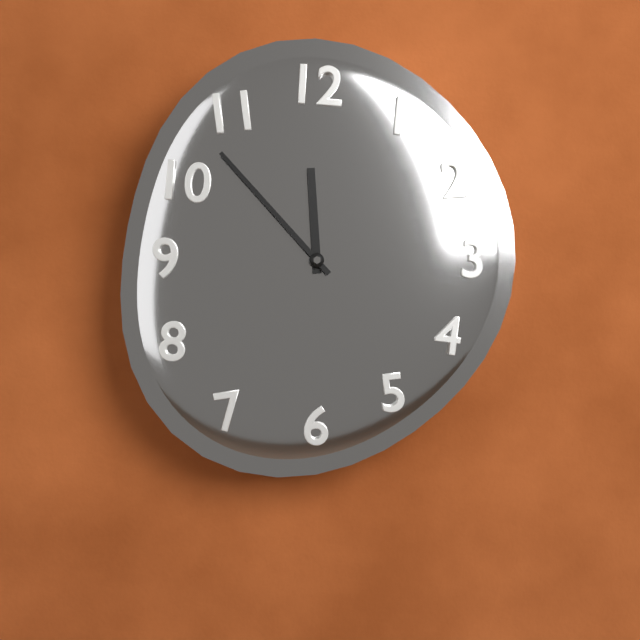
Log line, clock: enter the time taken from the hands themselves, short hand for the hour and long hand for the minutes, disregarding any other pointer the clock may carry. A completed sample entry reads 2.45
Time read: 11.53
